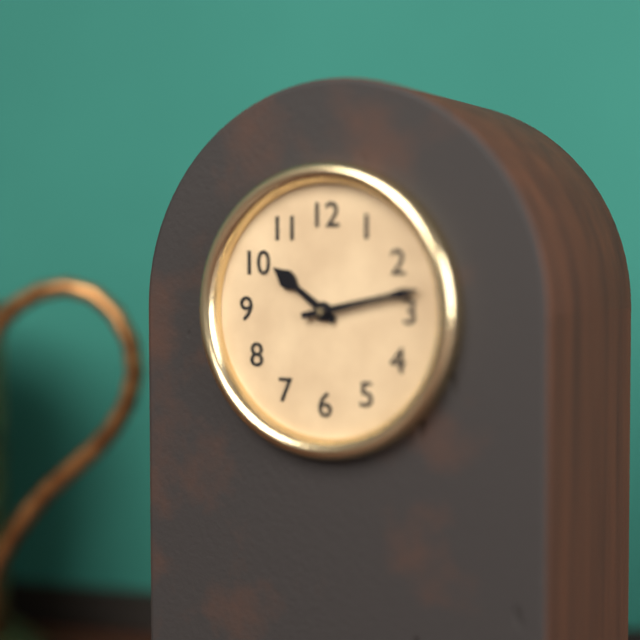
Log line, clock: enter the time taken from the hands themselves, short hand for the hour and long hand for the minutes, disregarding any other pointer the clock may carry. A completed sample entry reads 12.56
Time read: 10.13
